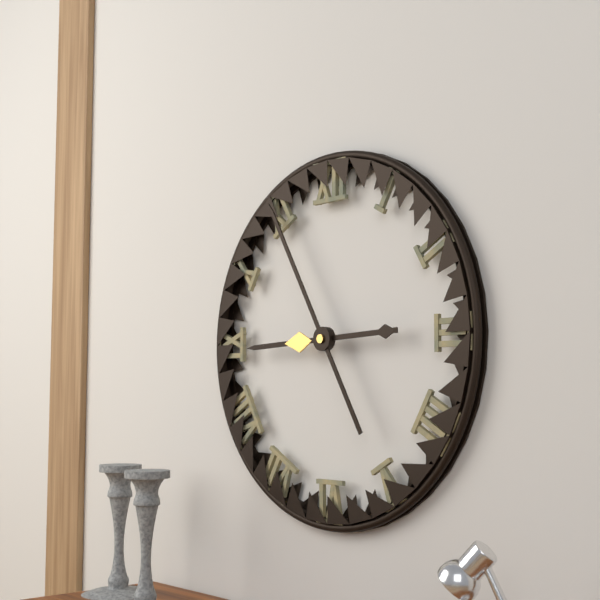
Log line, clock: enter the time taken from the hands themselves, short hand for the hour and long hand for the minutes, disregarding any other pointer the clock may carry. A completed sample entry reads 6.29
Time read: 8.55
